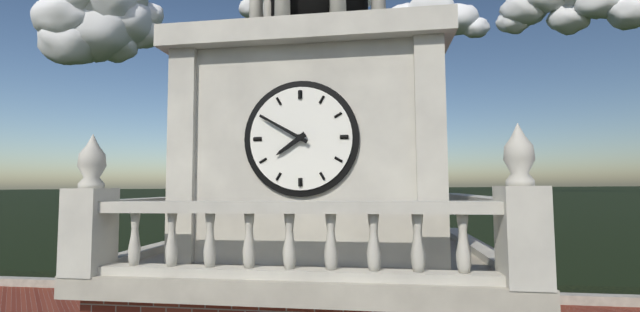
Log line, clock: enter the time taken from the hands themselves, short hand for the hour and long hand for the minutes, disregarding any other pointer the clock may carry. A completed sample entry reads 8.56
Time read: 7.50
